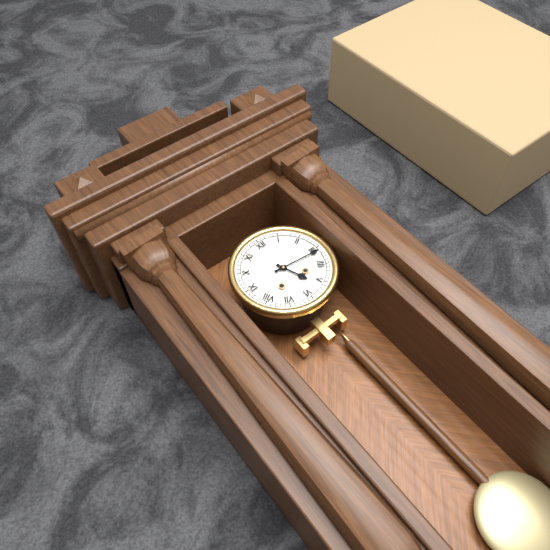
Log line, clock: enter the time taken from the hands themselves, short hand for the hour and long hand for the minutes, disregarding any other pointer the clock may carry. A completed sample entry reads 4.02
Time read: 5.16
